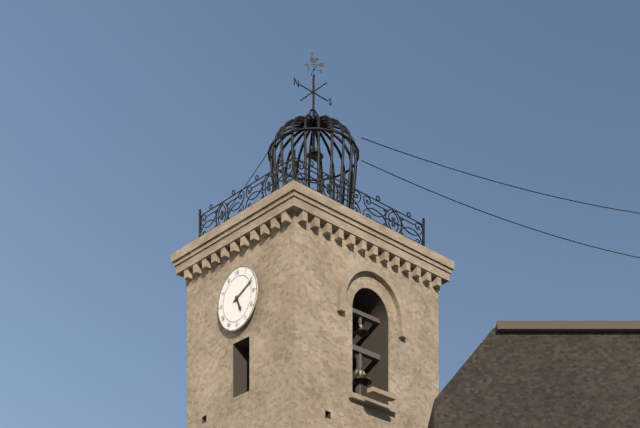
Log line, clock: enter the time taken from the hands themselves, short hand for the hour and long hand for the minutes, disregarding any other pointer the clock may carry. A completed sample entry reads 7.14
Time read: 5.11
